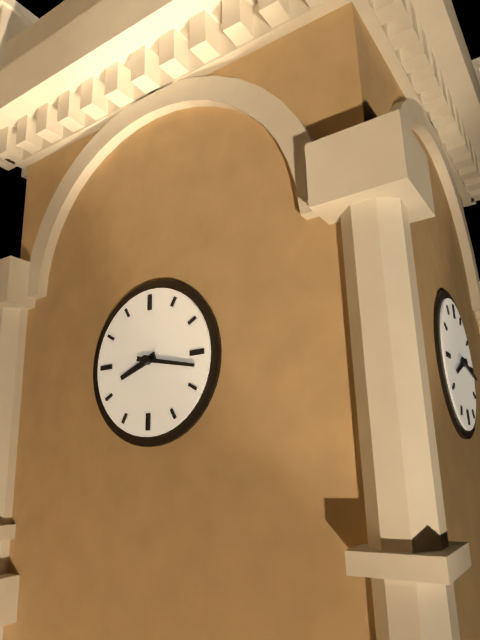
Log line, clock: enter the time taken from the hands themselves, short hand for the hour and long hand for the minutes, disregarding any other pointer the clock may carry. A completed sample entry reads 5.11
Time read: 8.17
